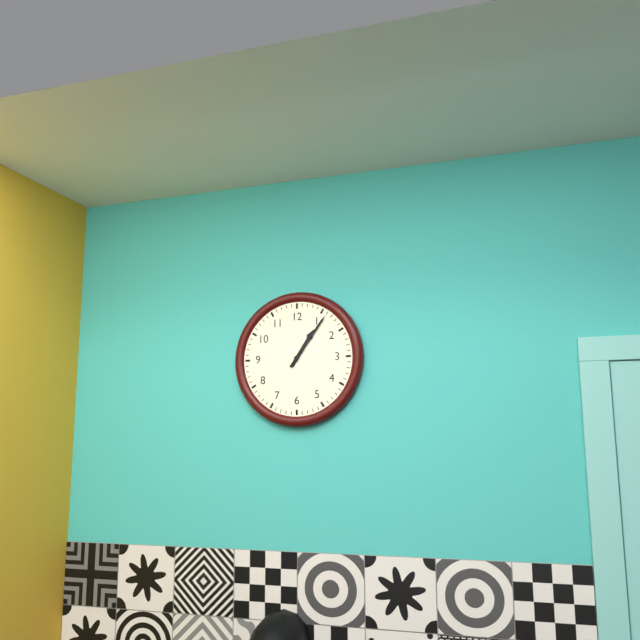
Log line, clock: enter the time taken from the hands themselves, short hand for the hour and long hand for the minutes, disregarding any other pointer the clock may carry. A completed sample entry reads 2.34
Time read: 1.06
